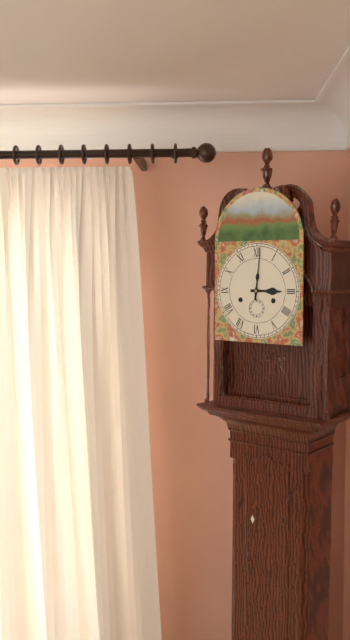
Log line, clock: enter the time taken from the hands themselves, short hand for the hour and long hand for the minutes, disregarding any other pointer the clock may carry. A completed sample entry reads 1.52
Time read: 3.01
